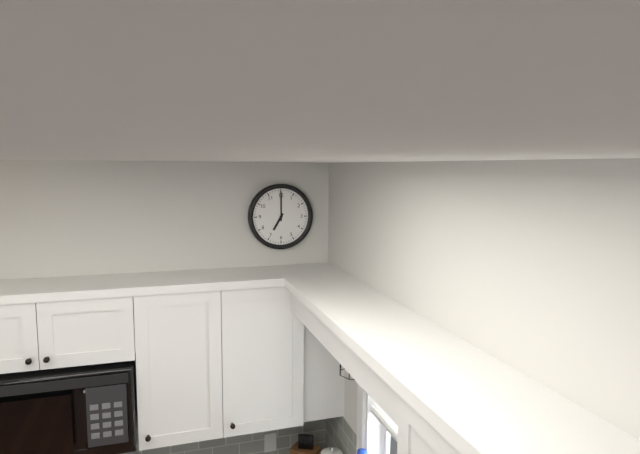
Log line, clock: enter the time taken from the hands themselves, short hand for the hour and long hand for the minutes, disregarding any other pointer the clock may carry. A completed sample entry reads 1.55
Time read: 7.00
